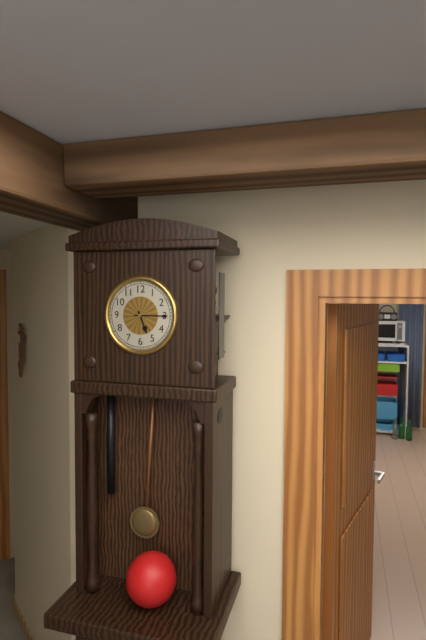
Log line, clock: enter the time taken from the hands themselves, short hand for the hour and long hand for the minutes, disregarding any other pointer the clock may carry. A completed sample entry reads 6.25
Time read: 5.15
